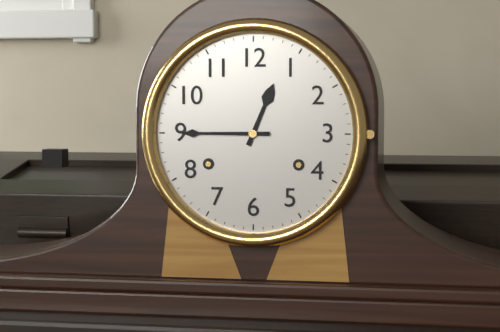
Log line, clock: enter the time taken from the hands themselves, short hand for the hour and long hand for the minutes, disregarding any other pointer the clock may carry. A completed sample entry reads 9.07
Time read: 12.45
